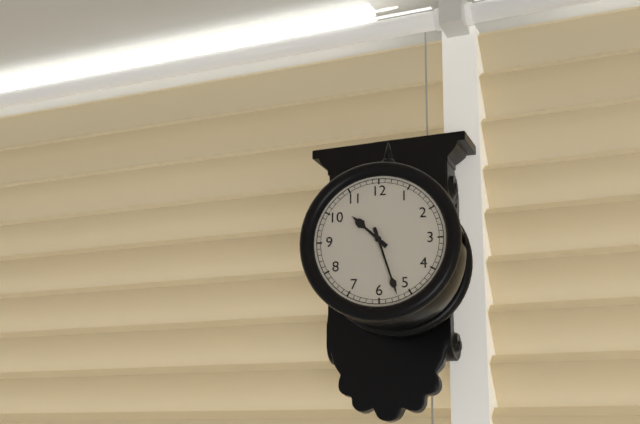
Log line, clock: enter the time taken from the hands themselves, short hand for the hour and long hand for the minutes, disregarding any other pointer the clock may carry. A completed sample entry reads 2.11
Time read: 10.27
